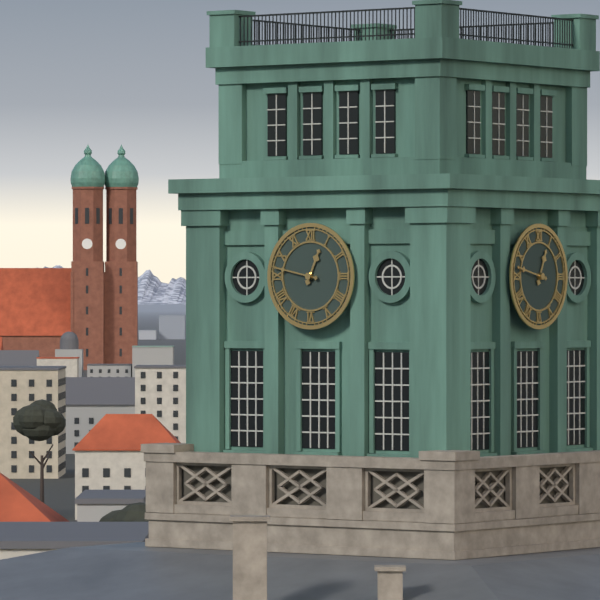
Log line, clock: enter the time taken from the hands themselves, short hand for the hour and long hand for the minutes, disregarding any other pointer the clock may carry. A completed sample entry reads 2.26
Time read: 12.47
